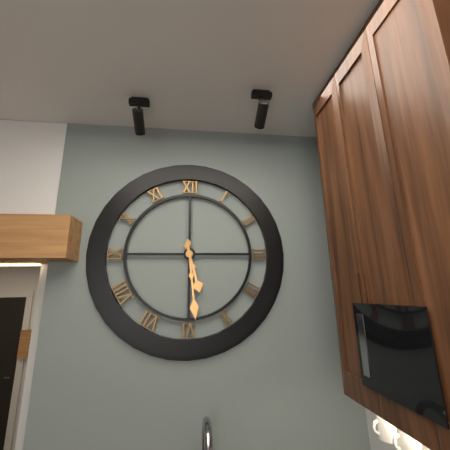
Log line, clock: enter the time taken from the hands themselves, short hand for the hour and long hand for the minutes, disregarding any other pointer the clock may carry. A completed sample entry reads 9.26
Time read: 5.29
